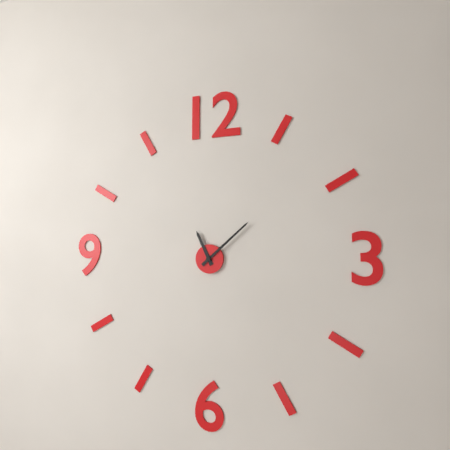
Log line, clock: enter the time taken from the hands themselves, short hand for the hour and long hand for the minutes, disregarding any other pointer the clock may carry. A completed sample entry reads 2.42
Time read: 11.08
